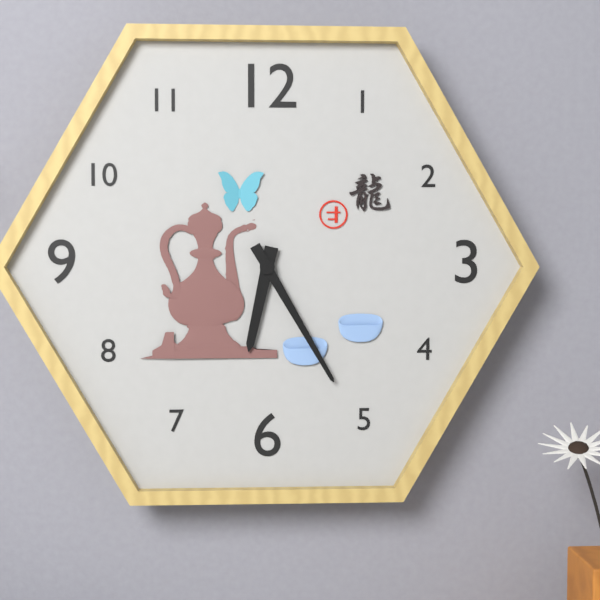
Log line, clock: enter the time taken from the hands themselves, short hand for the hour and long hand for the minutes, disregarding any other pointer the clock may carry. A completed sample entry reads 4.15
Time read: 6.25
